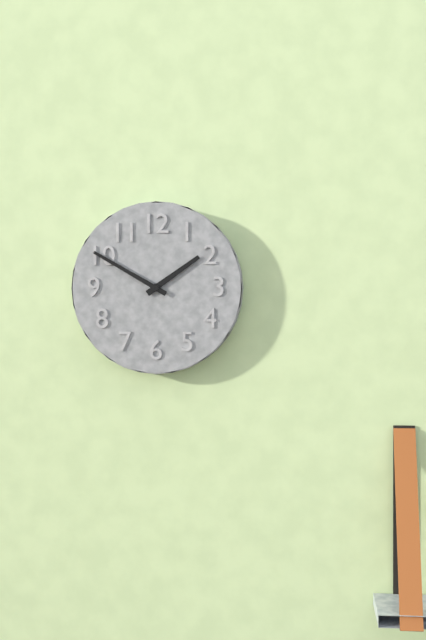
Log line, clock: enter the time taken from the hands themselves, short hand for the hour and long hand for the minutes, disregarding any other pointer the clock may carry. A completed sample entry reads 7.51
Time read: 1.50
